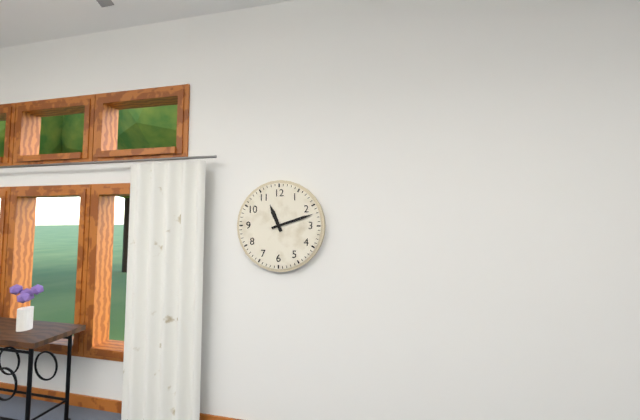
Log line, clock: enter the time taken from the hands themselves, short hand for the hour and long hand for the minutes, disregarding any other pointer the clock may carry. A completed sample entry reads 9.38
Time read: 11.12
